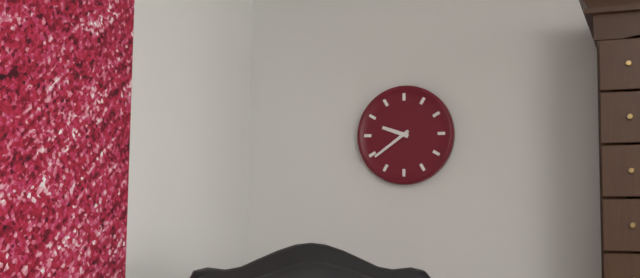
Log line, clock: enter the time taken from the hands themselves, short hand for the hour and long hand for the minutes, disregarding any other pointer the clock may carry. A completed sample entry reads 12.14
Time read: 9.39
